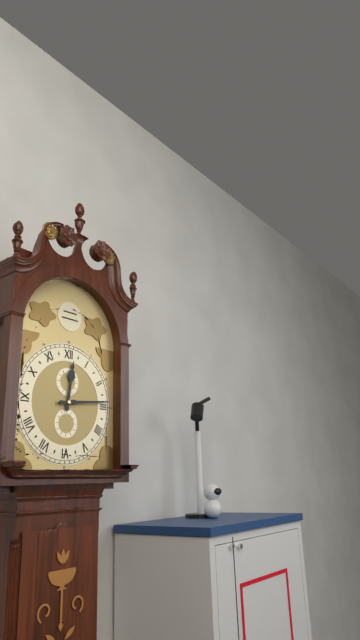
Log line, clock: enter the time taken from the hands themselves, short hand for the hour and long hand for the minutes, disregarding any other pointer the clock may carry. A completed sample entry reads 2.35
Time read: 12.14
